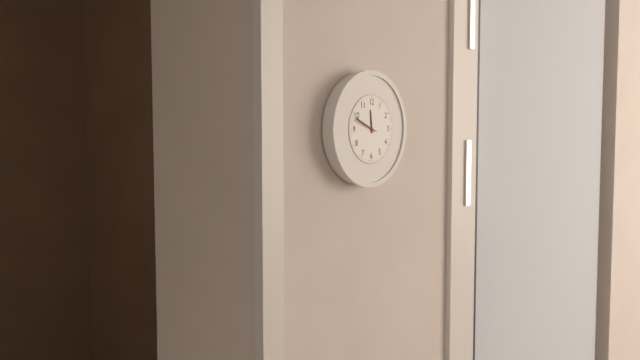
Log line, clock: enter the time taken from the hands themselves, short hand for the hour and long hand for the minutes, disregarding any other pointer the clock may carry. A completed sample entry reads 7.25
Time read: 11.49
